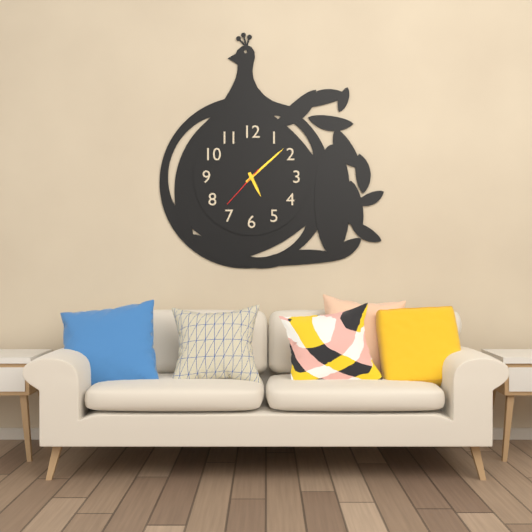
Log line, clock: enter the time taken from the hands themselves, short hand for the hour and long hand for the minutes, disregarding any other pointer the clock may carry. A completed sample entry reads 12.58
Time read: 5.08
